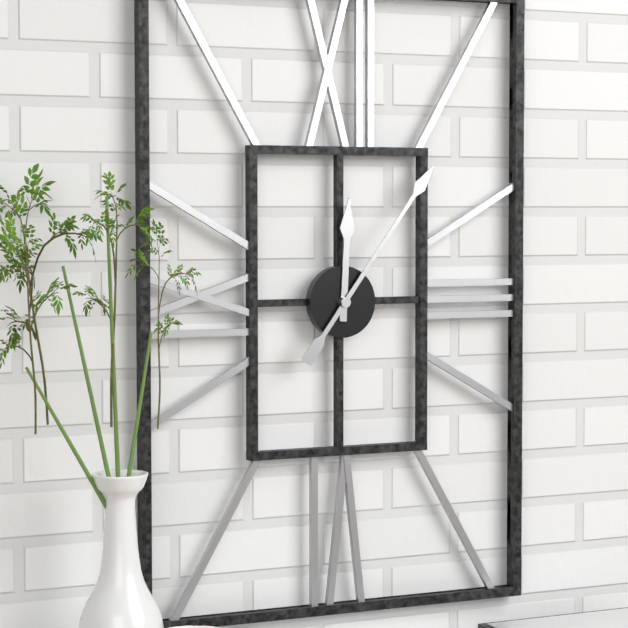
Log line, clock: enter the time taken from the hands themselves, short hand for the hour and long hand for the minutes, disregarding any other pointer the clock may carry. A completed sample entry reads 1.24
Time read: 12.06
